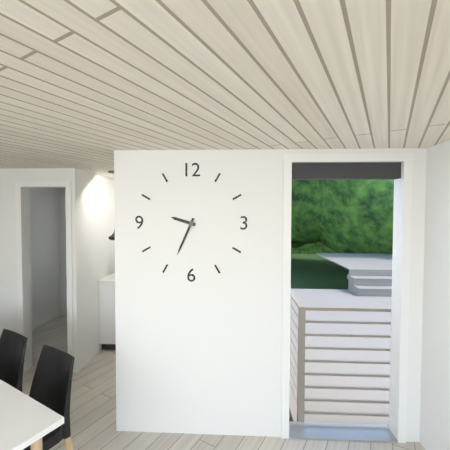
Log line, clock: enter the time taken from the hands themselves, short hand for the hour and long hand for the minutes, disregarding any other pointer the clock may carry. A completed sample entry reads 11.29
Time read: 9.34
